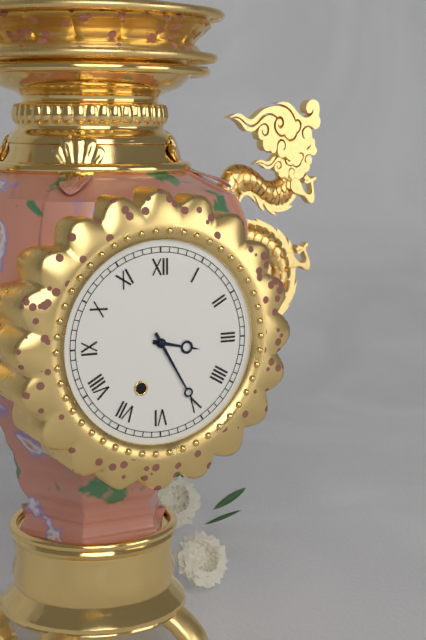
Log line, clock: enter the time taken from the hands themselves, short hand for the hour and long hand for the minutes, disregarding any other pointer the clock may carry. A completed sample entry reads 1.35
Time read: 3.25
